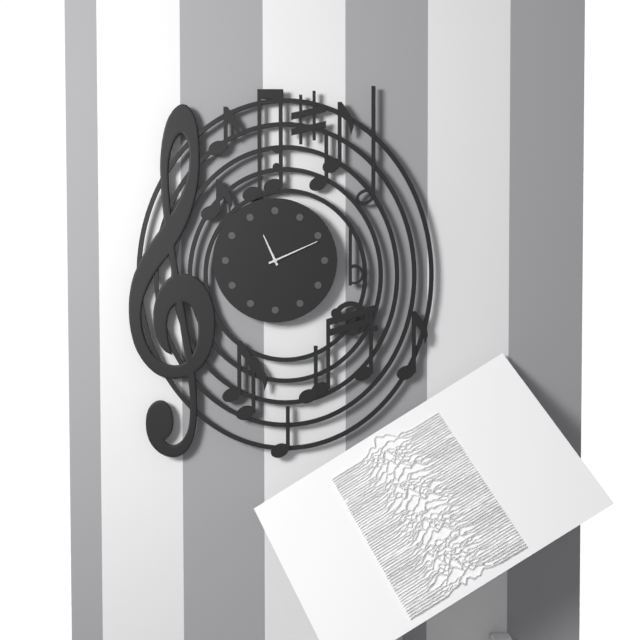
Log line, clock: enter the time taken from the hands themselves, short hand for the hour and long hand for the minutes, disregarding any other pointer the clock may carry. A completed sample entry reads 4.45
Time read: 11.11
